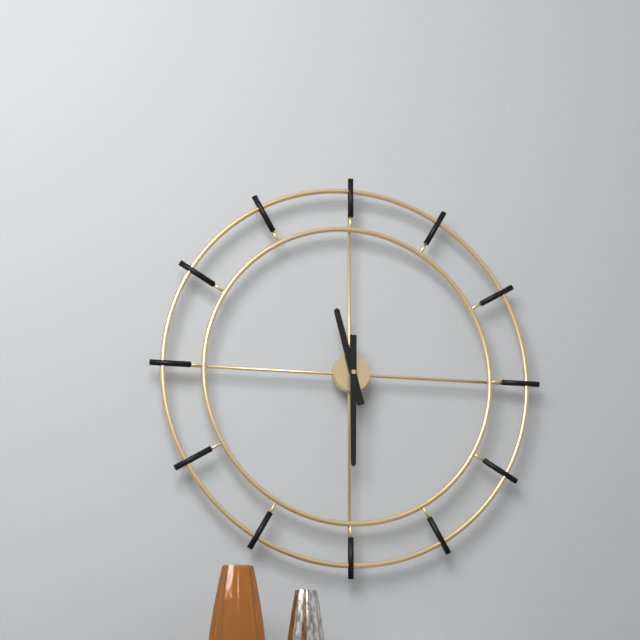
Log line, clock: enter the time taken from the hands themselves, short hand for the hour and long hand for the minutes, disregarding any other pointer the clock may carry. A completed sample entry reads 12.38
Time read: 11.30
